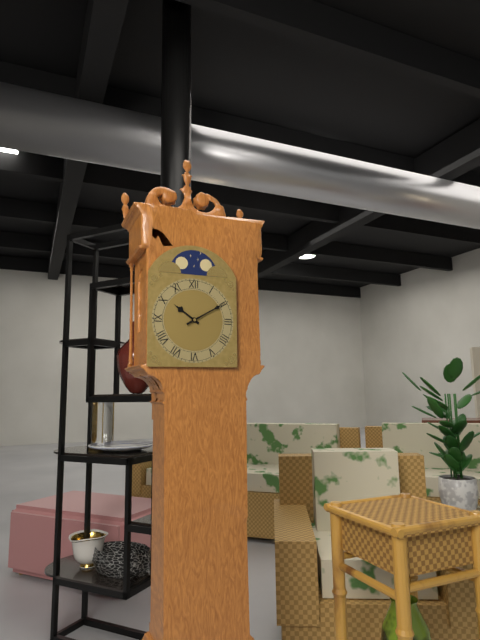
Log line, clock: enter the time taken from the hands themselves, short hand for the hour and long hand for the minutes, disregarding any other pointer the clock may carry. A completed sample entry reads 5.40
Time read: 10.10
